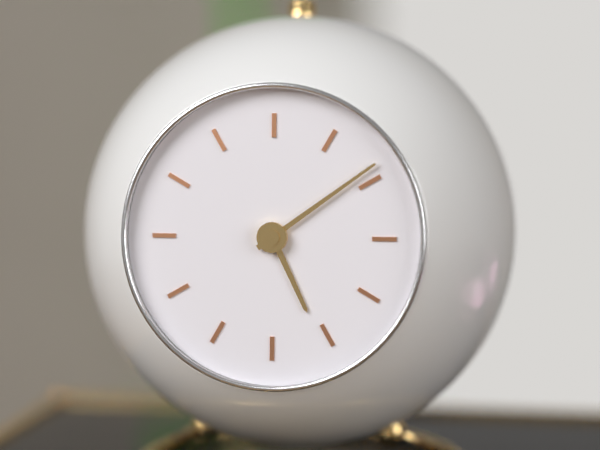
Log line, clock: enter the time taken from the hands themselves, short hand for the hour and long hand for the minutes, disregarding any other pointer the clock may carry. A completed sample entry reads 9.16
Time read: 5.09
